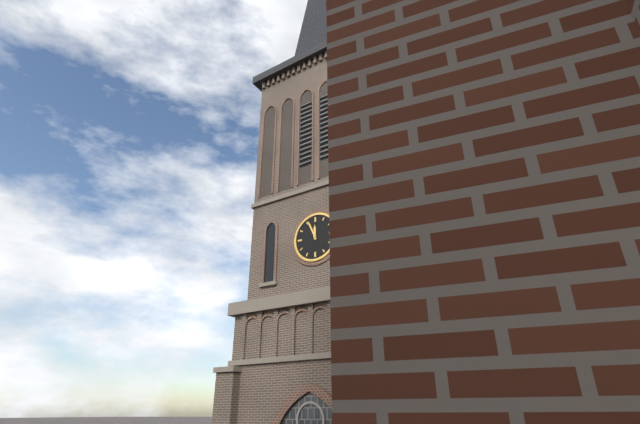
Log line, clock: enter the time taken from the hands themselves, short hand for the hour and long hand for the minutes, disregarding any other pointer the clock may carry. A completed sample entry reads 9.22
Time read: 11.56
